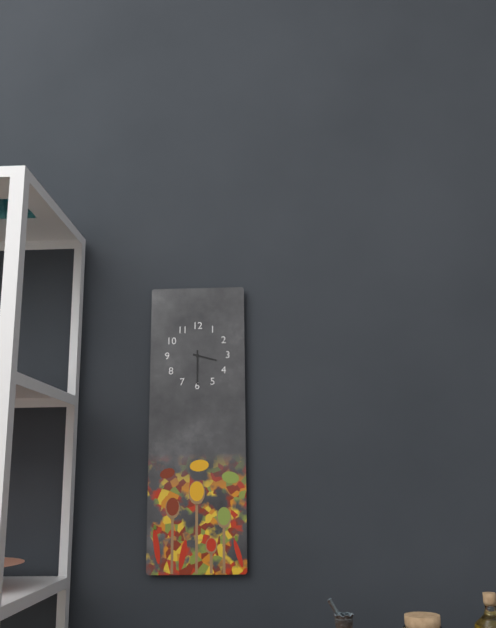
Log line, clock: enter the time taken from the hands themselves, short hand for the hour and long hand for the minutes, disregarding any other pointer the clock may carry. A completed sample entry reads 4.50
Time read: 3.30
